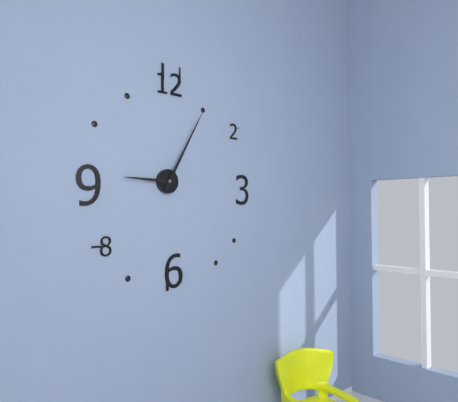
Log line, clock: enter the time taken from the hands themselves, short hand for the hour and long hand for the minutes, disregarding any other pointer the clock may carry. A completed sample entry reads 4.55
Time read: 9.05
